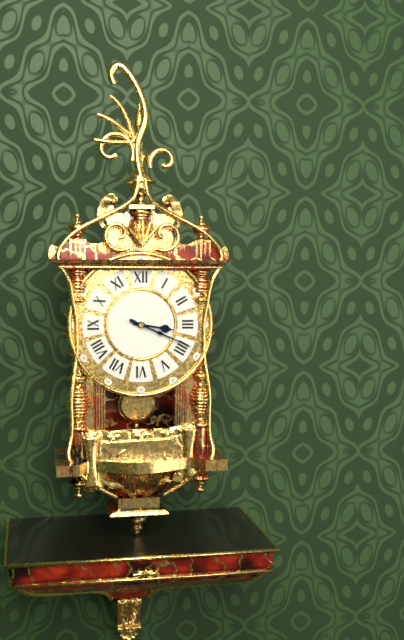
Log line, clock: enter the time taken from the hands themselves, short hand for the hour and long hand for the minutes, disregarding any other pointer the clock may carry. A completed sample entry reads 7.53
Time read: 3.19
